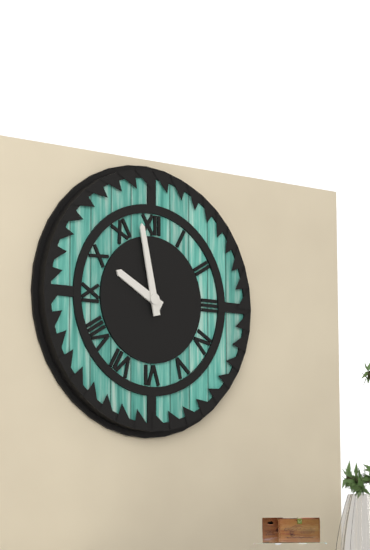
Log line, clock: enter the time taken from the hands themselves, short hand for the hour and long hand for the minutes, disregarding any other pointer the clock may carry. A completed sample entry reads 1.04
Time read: 9.58
